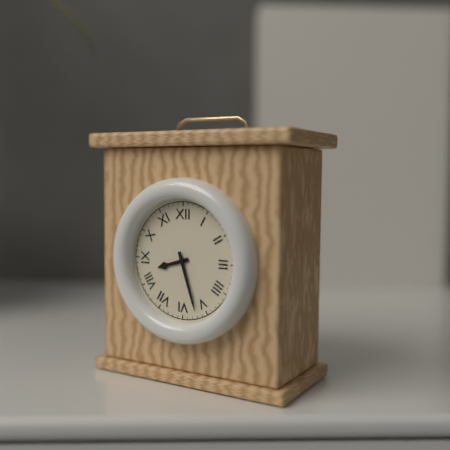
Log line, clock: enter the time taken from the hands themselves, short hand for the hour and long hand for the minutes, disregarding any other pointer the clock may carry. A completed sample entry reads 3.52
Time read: 8.27
